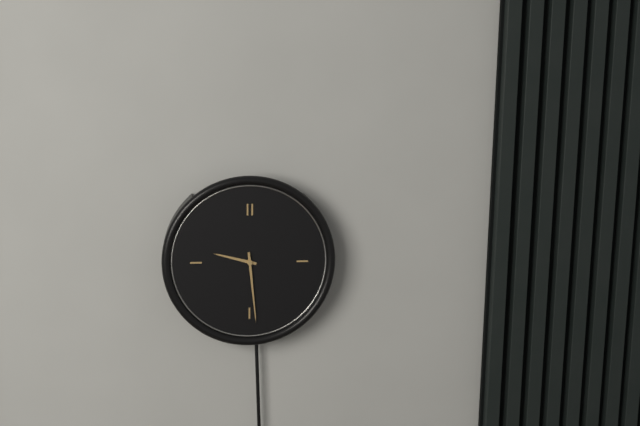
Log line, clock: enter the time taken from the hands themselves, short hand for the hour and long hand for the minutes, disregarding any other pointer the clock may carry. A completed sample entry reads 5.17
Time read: 9.29
